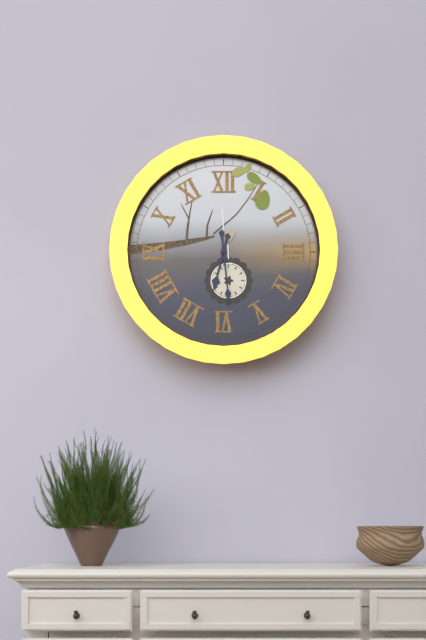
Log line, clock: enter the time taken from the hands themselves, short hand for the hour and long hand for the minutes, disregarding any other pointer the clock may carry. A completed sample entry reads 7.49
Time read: 6.29
